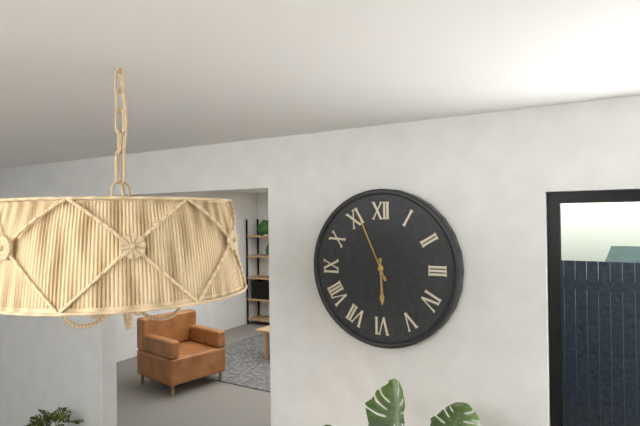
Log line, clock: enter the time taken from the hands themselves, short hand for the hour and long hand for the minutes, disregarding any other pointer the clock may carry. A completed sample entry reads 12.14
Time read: 5.56
